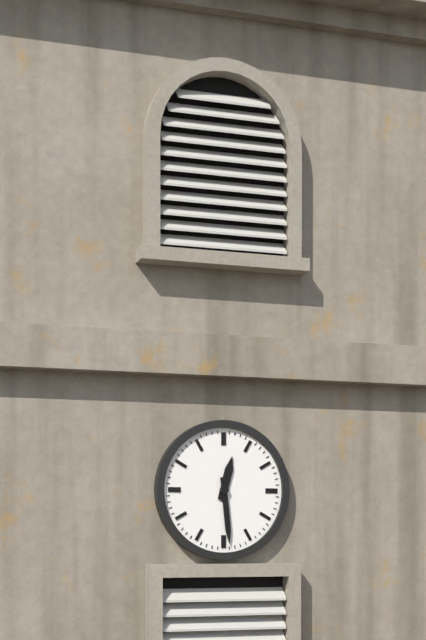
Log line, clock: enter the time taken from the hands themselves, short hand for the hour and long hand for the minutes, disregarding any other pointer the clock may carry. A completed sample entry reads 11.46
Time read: 12.29
